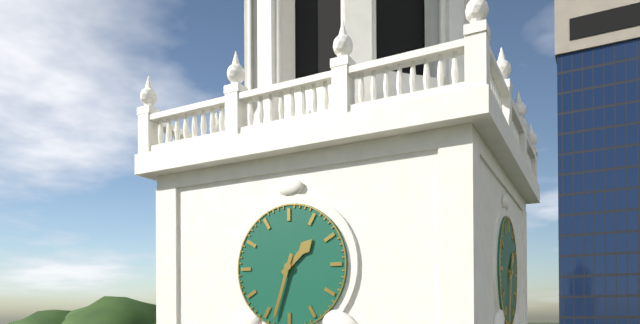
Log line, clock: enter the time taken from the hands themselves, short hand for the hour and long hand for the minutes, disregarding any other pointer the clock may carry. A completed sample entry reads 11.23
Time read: 1.33
